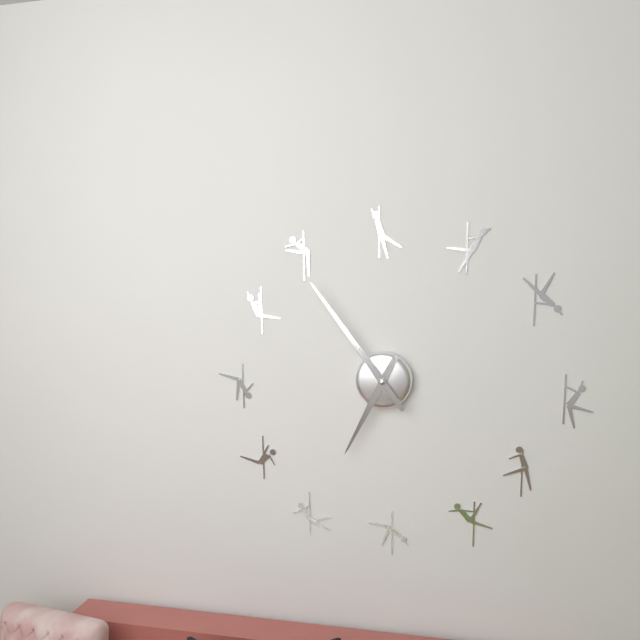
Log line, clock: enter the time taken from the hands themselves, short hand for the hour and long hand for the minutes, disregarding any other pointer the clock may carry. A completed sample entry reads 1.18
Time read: 6.54
